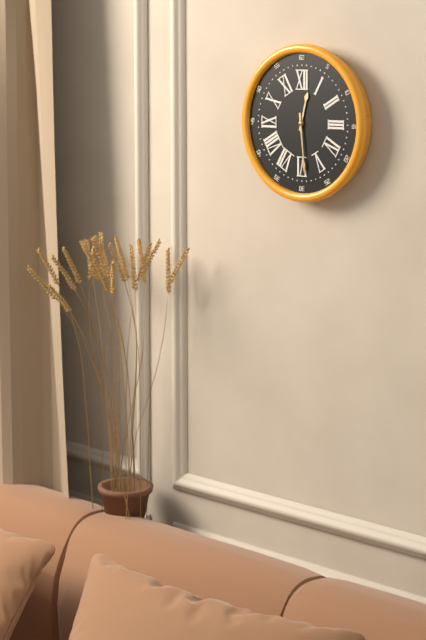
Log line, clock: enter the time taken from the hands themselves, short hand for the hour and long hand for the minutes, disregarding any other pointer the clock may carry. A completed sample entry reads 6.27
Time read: 12.29
